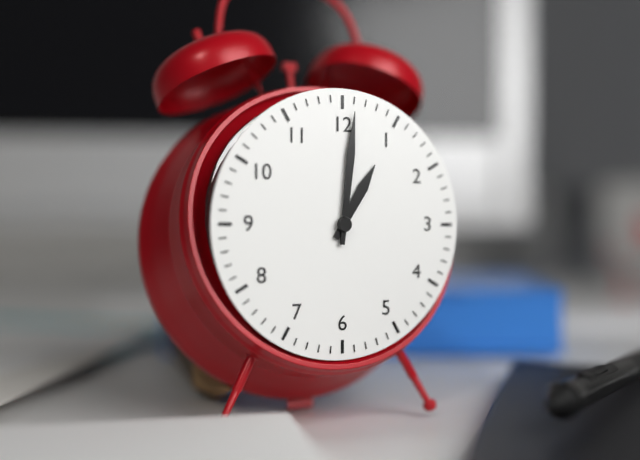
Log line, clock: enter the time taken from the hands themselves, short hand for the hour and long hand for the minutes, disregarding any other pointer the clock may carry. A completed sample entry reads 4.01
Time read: 1.01
